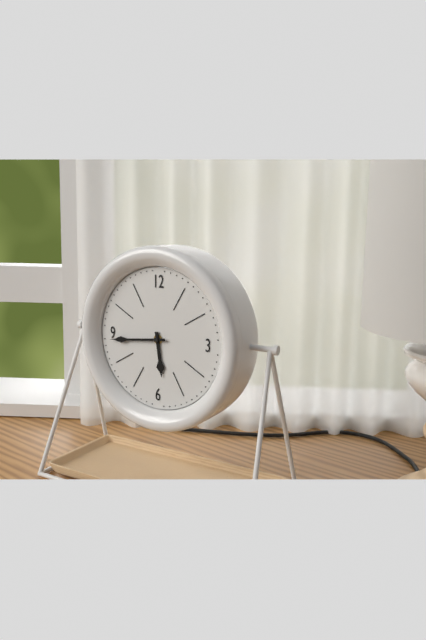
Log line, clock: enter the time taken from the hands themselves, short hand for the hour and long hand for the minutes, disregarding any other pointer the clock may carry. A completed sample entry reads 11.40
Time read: 5.44
